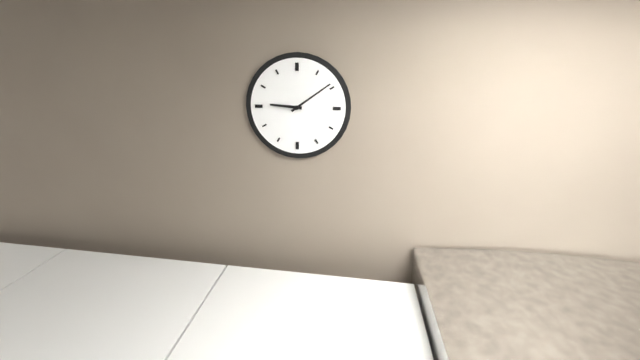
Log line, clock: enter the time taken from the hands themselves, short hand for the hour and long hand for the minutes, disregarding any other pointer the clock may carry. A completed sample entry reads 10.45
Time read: 9.09
